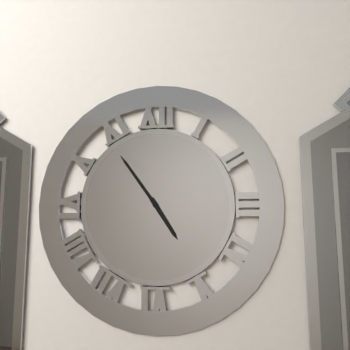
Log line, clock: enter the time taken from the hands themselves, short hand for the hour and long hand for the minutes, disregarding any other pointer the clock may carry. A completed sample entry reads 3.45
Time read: 4.54
